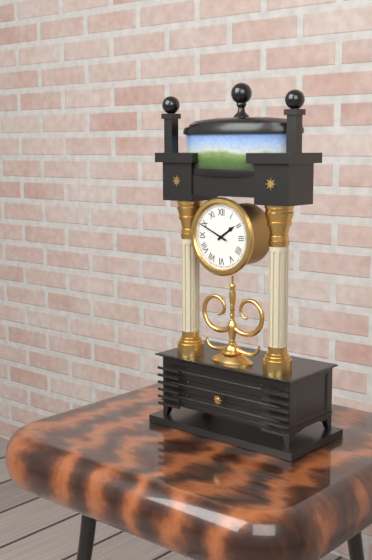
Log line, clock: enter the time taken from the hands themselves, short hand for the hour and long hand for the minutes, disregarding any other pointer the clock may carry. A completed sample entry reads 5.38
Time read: 1.49
